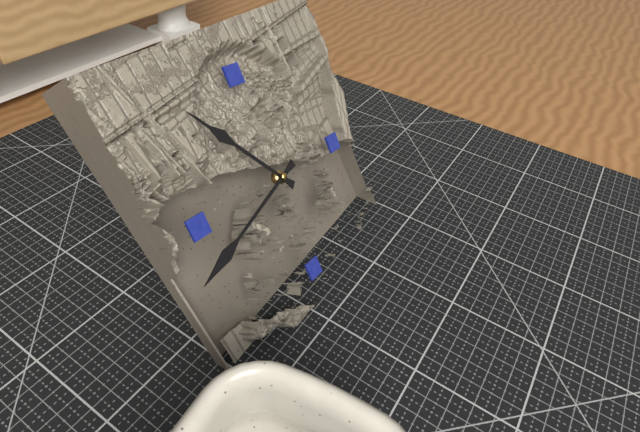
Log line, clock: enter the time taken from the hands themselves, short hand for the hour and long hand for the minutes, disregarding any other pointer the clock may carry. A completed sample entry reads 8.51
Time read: 10.42
